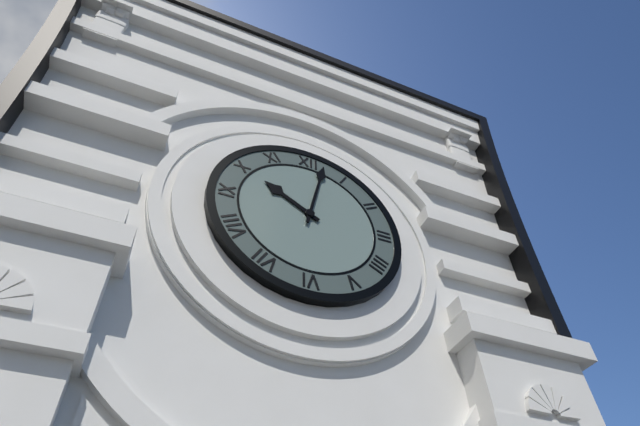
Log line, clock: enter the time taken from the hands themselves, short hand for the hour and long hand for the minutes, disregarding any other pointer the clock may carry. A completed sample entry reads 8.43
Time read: 10.02
